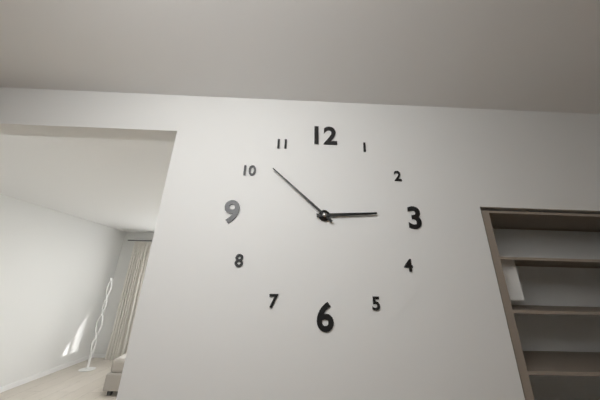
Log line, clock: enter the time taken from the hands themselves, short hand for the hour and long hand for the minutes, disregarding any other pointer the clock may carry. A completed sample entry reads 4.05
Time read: 2.52
